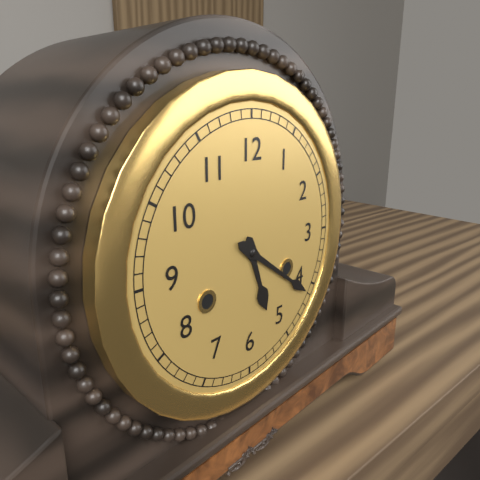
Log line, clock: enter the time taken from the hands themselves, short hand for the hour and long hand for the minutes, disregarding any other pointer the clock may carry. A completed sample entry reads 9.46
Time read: 5.21
